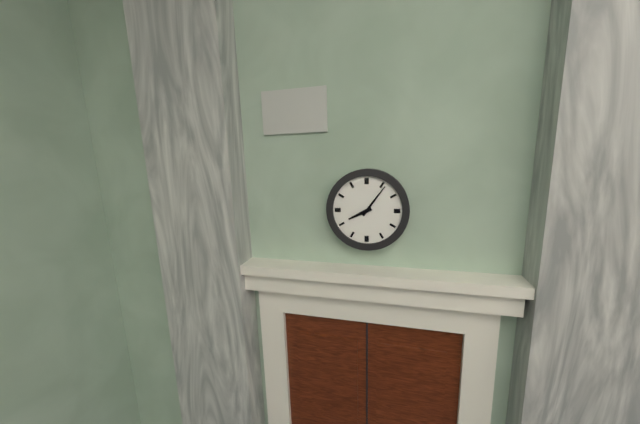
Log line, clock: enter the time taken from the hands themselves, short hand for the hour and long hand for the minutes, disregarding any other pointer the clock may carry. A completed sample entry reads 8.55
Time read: 8.06
